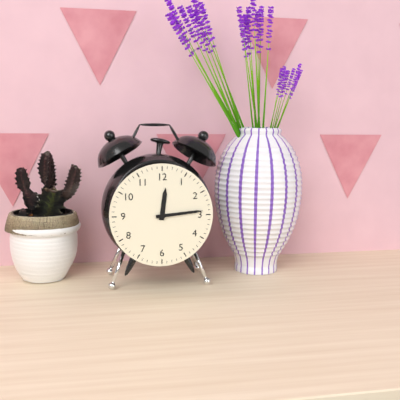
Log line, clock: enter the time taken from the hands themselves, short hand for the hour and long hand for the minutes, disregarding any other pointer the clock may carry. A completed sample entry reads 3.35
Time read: 12.14
